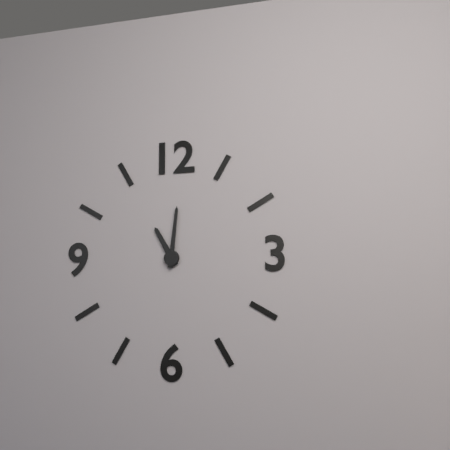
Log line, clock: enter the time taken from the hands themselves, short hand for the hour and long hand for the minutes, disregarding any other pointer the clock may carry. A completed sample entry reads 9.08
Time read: 11.01
